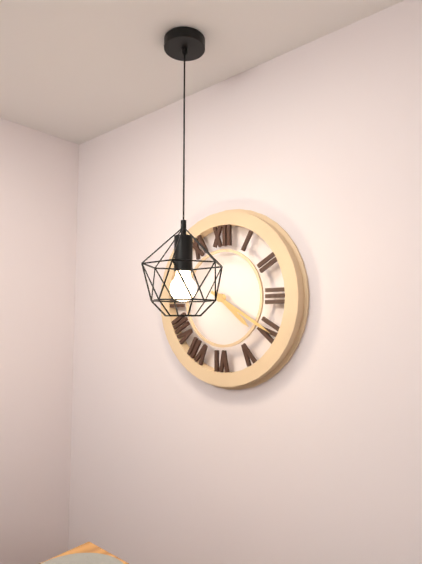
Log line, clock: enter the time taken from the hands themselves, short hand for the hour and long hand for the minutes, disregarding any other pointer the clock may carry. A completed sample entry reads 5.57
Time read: 4.20
